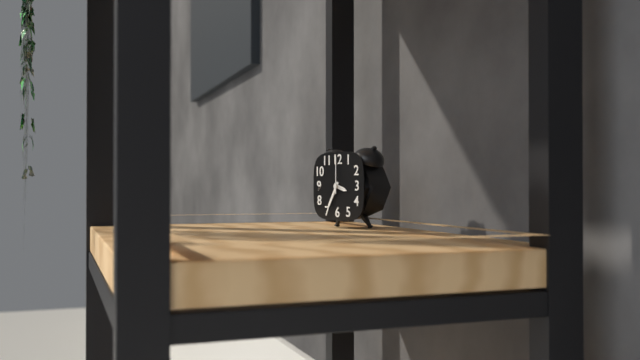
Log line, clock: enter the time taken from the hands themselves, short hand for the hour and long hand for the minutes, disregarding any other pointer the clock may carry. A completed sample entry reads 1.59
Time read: 3.35
